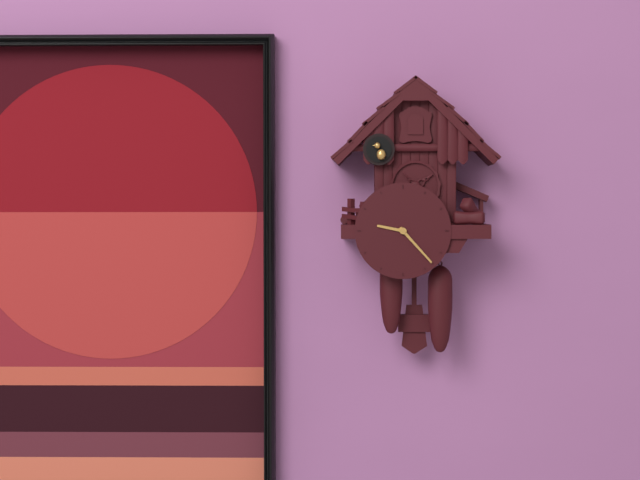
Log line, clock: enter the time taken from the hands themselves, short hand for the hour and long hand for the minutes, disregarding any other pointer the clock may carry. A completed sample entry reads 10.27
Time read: 9.23
